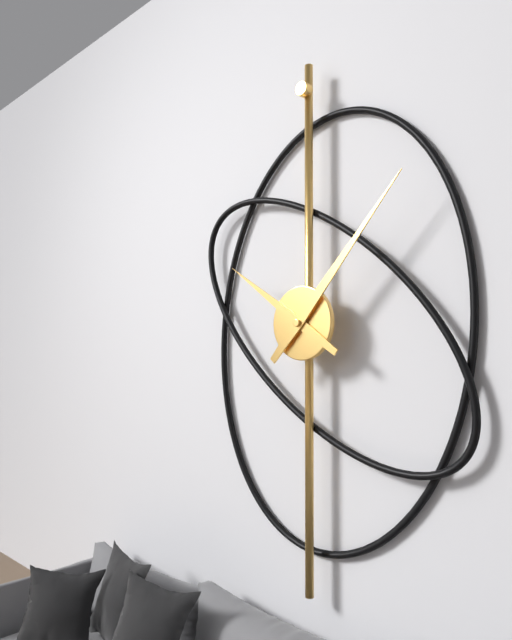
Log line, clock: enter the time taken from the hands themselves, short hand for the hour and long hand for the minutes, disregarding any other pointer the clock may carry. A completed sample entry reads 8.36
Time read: 10.07
